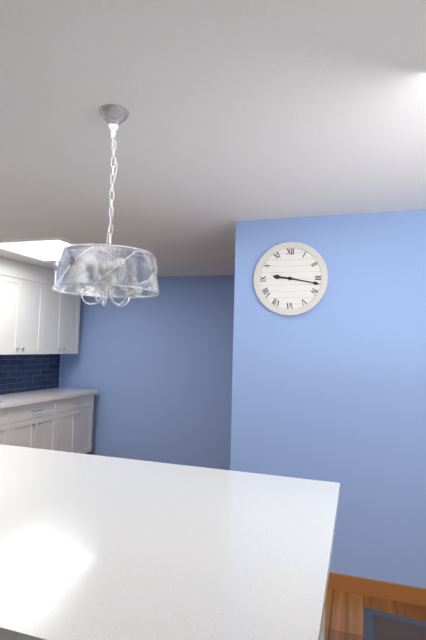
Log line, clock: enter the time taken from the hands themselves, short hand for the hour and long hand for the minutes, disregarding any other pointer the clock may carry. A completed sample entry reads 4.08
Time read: 9.17
